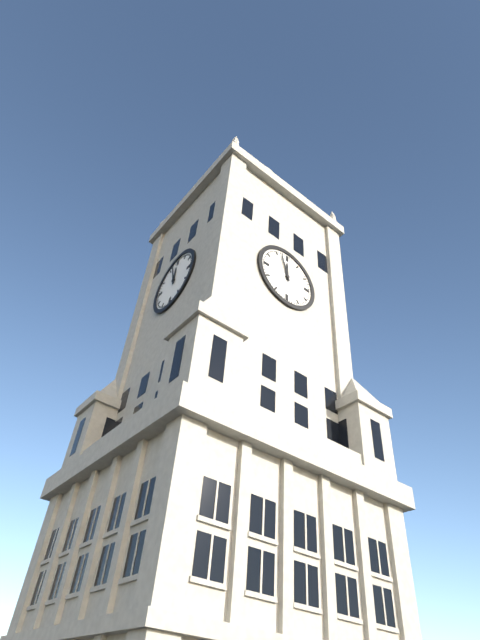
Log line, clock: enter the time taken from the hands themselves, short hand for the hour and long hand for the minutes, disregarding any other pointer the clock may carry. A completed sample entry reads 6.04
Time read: 11.57
